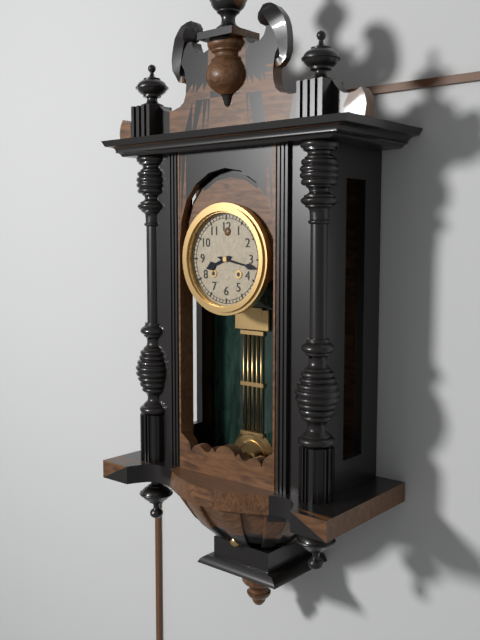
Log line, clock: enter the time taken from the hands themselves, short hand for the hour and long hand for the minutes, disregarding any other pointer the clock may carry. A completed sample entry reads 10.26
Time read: 8.17
